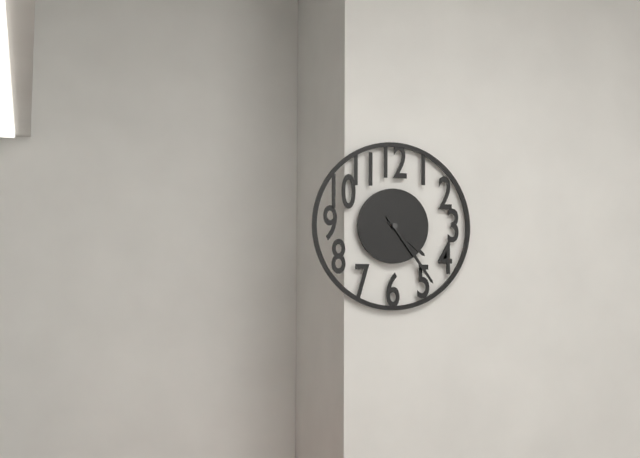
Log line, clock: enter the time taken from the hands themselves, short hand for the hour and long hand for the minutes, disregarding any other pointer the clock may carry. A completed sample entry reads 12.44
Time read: 4.24
